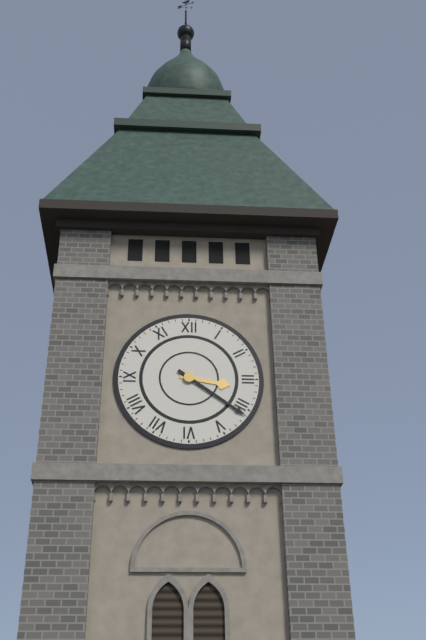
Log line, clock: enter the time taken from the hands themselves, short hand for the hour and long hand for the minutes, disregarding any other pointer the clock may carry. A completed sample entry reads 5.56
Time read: 3.21
